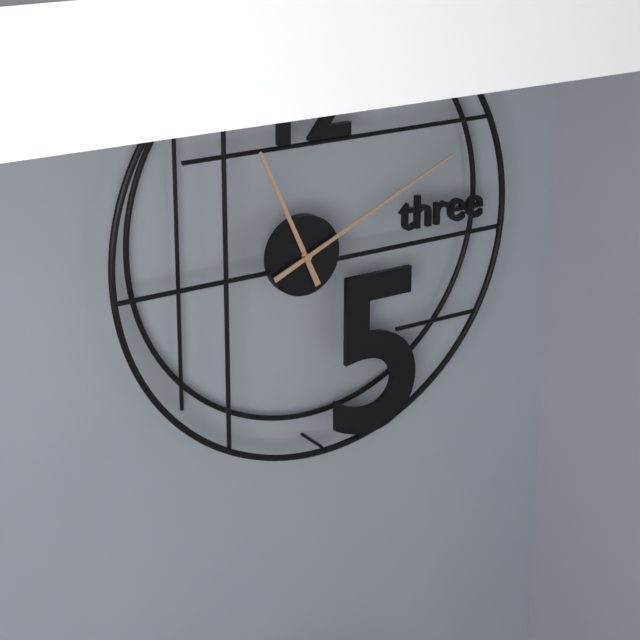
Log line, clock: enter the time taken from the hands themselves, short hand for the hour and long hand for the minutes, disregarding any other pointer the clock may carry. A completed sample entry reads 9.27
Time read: 11.11
